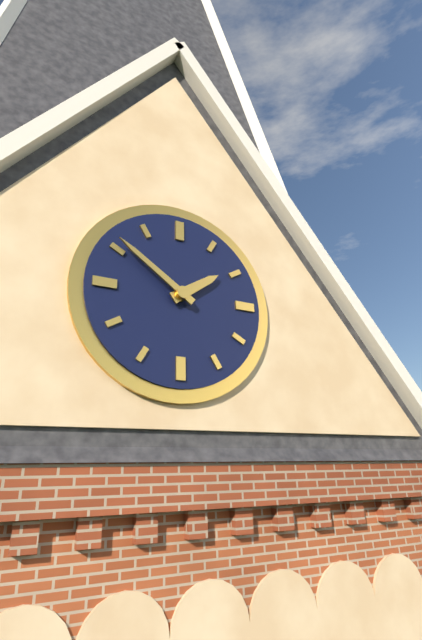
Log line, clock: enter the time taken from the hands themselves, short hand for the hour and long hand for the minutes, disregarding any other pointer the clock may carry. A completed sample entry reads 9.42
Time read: 1.51
